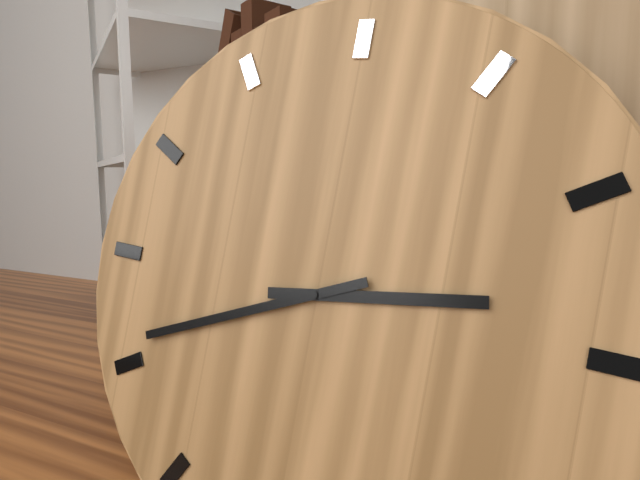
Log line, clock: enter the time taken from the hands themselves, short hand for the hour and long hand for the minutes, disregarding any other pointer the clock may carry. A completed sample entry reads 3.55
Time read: 2.41
